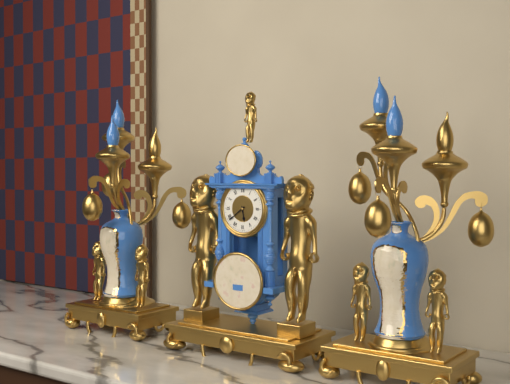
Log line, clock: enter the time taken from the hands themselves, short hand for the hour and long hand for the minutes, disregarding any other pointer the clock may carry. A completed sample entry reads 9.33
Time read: 5.39
